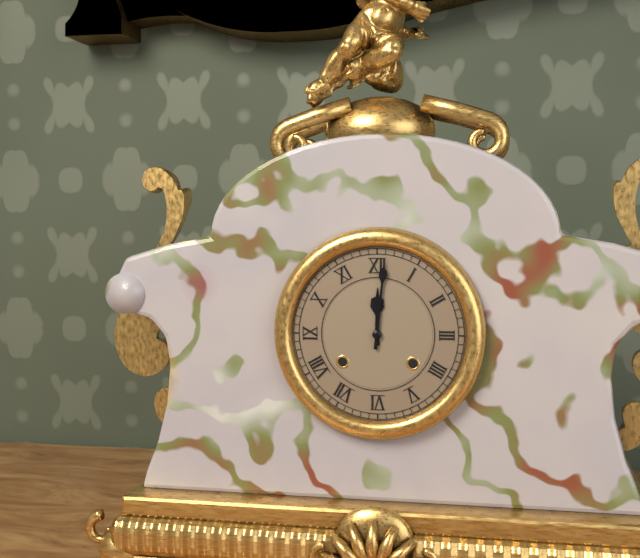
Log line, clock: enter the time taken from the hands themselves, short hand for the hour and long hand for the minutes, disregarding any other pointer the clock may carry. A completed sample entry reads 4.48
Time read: 12.01
